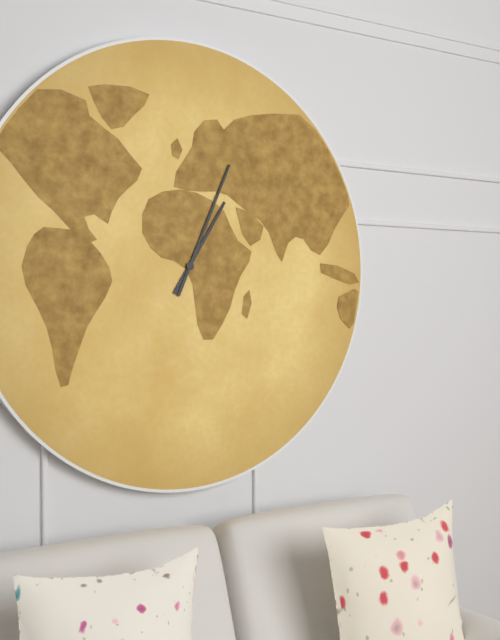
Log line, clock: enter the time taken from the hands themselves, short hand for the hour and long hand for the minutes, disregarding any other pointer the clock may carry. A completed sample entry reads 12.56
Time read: 1.04
